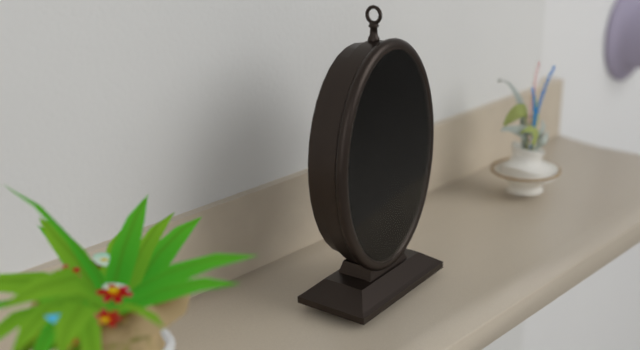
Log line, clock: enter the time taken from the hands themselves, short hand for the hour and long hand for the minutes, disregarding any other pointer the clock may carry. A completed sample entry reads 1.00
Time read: 2.11
